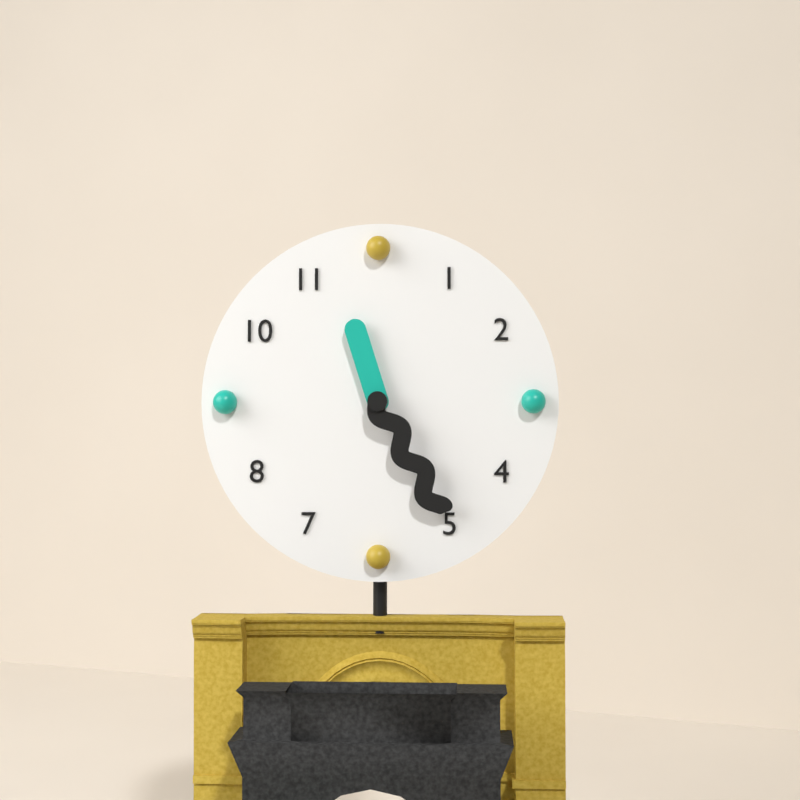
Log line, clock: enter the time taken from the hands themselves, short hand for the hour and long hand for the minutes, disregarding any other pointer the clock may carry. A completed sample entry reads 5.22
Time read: 11.25
